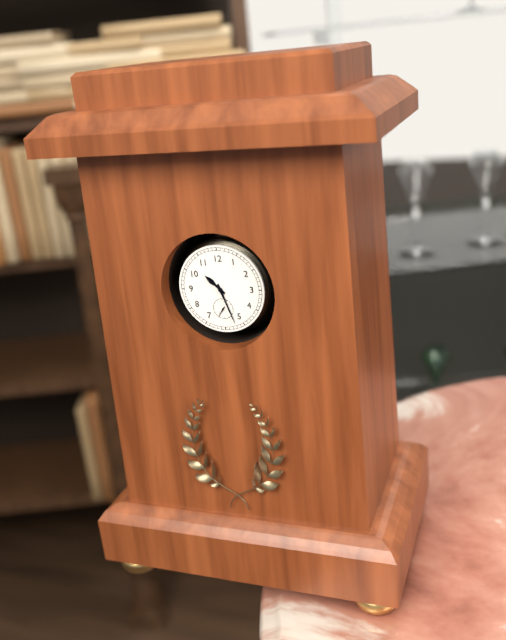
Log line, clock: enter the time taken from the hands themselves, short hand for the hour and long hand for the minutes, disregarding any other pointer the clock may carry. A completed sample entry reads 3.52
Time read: 10.27
